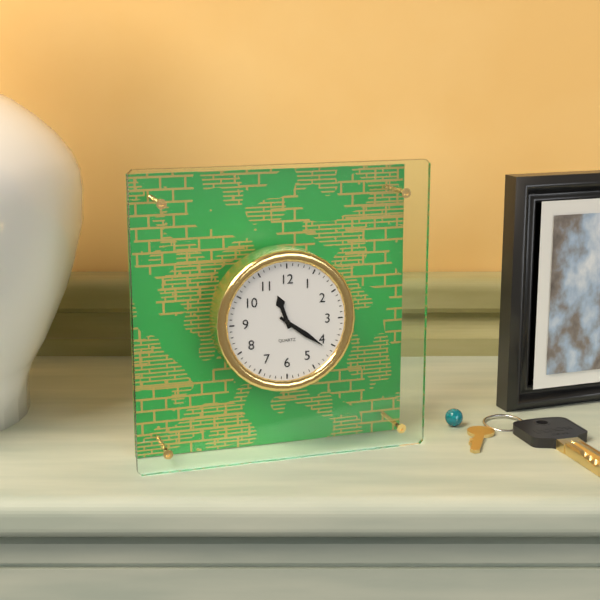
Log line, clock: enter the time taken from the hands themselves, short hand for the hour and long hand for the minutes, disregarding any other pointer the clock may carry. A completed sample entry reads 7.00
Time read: 11.21
